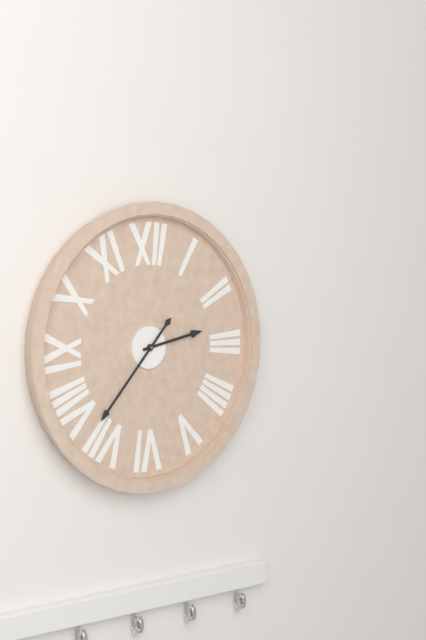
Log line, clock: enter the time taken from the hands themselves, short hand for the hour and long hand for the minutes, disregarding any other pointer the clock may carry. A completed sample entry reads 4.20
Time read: 2.37
